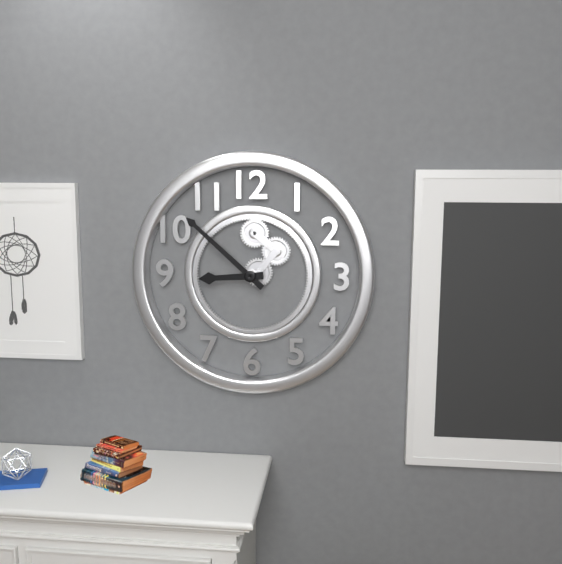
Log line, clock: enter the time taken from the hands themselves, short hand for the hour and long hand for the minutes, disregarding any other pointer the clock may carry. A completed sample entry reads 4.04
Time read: 8.52
